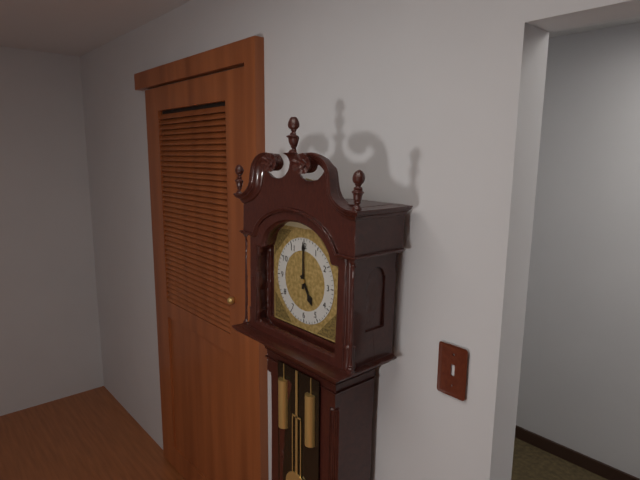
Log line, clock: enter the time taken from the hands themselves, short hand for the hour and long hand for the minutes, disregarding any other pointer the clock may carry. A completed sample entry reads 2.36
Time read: 5.00
